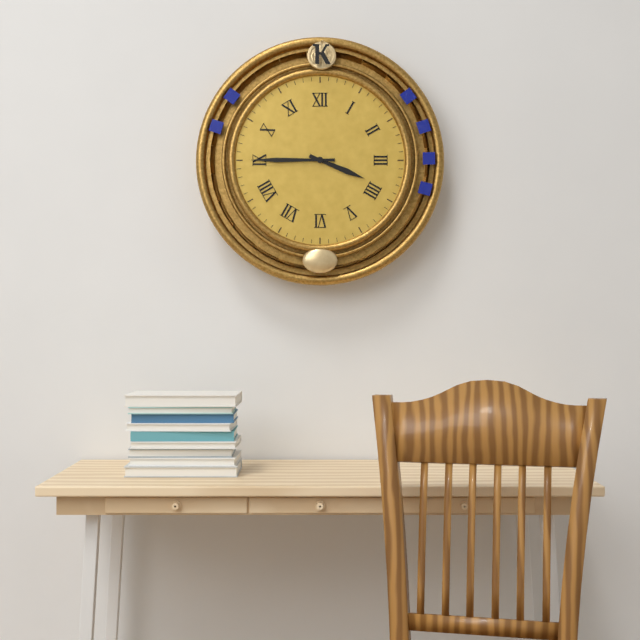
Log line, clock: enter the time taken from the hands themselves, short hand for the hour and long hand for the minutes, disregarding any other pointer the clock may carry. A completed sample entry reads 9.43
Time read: 3.45
